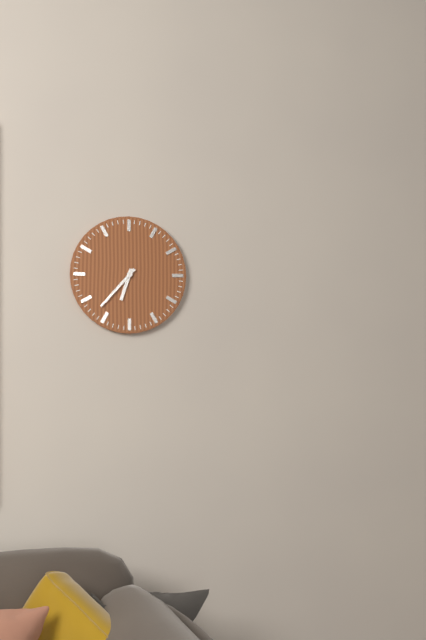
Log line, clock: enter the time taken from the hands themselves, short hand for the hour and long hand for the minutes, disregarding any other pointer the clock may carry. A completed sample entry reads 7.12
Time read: 6.37
